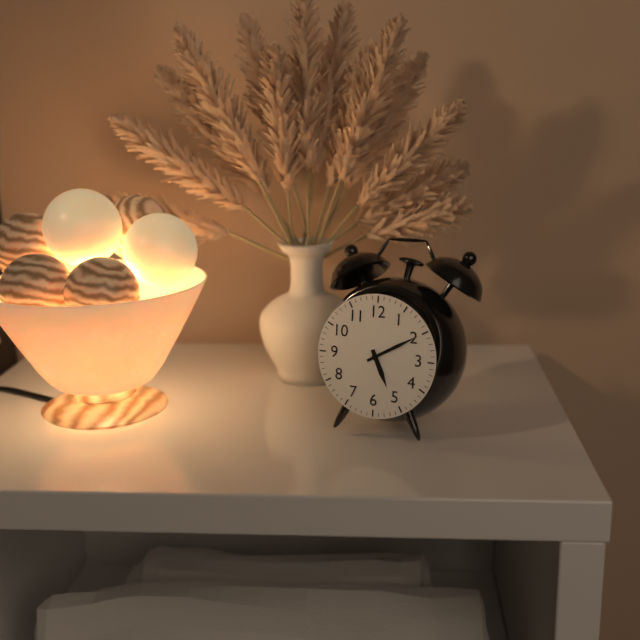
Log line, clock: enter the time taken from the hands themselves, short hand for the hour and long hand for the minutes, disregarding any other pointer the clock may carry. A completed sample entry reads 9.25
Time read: 5.10
